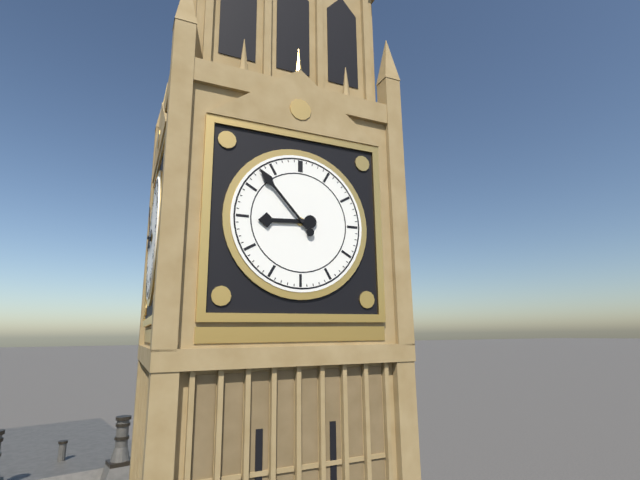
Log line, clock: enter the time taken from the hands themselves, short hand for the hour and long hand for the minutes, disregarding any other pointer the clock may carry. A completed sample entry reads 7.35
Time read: 8.53
